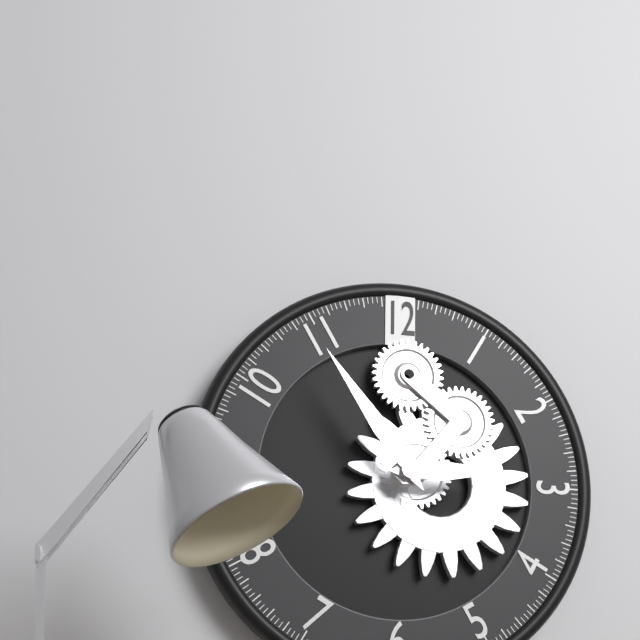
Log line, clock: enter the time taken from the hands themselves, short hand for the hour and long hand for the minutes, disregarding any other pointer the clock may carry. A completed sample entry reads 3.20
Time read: 2.54
